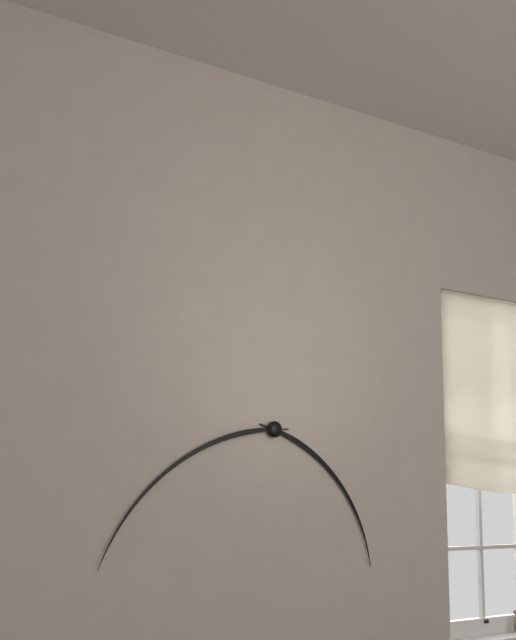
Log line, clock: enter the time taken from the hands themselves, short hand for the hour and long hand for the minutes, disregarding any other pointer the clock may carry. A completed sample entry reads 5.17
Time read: 4.39
